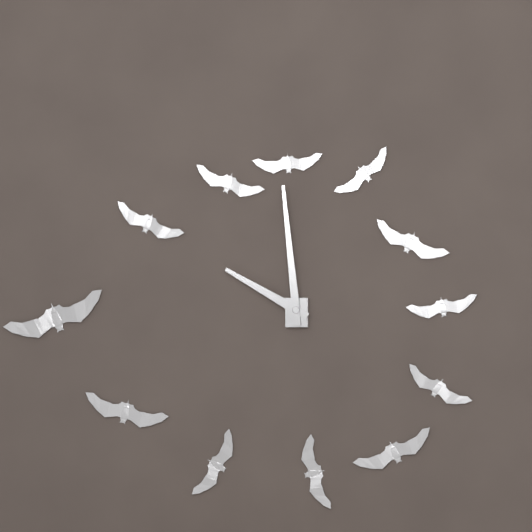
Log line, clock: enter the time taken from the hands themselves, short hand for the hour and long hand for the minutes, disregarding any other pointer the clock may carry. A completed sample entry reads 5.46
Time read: 9.59
